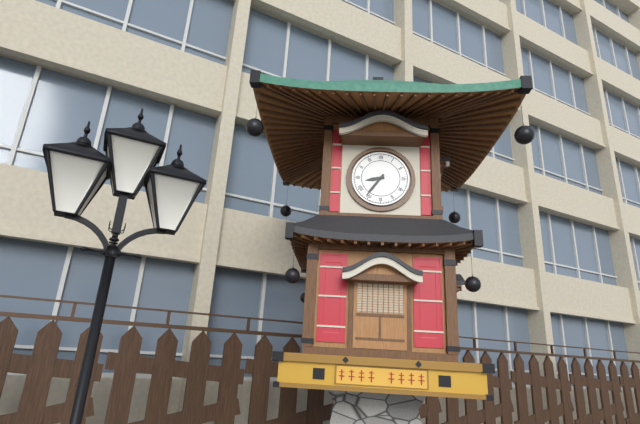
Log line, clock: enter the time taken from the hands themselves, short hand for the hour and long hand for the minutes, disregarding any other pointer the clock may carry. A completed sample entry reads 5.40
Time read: 8.36
